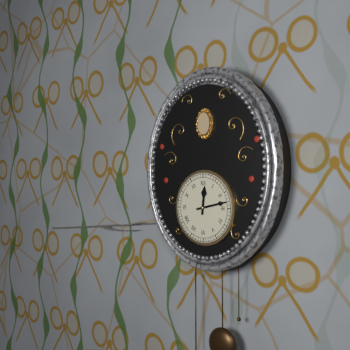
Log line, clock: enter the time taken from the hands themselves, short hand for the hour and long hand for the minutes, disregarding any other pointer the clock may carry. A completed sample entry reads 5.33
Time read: 12.13
